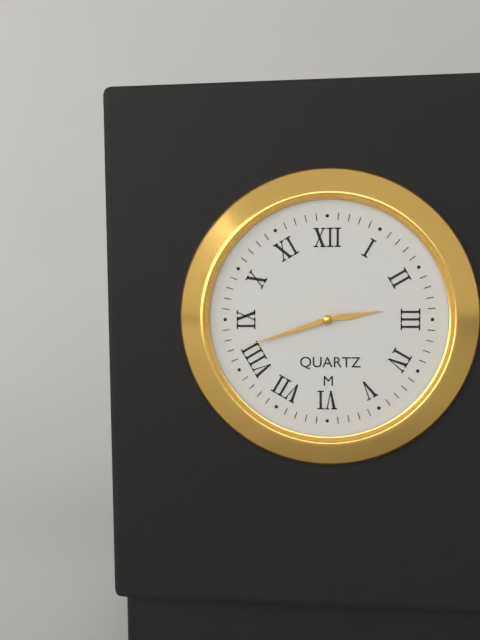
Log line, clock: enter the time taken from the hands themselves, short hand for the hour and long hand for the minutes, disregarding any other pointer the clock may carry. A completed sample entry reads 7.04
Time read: 2.42
